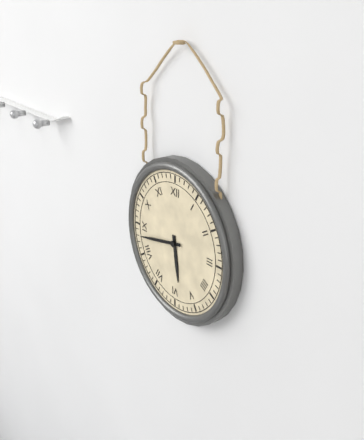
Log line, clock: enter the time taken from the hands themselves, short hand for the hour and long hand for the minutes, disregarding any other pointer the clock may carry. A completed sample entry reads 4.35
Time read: 5.43
